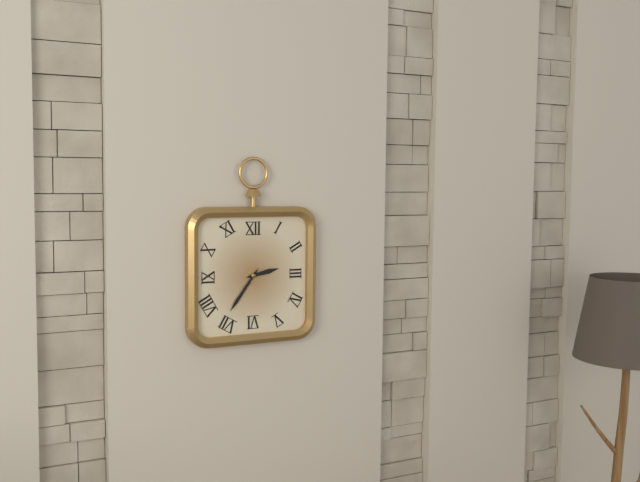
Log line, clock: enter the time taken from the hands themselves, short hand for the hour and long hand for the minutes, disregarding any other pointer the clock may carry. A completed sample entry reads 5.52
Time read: 2.36
